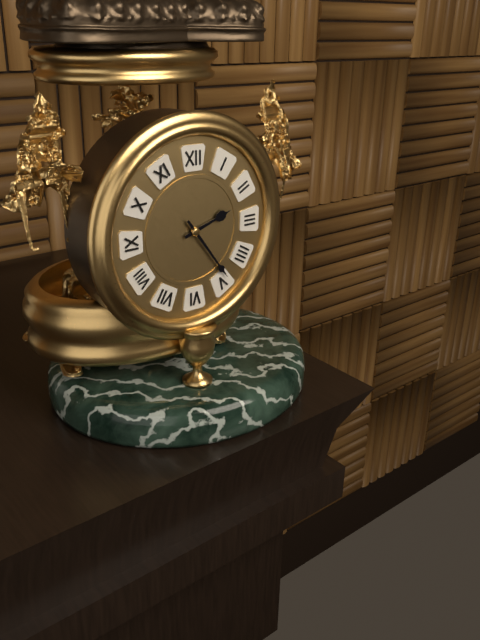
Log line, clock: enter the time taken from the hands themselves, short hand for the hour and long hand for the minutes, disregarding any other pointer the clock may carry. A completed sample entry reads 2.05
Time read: 2.24
